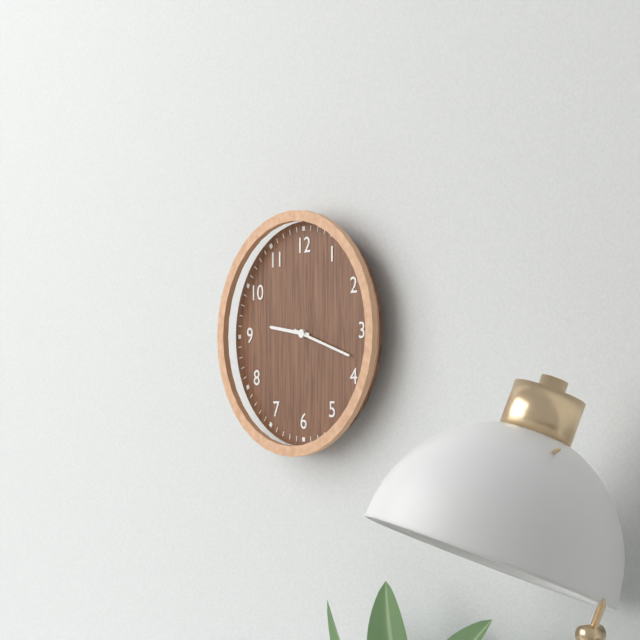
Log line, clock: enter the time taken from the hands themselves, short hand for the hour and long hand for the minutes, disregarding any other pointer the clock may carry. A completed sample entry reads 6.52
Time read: 9.18
